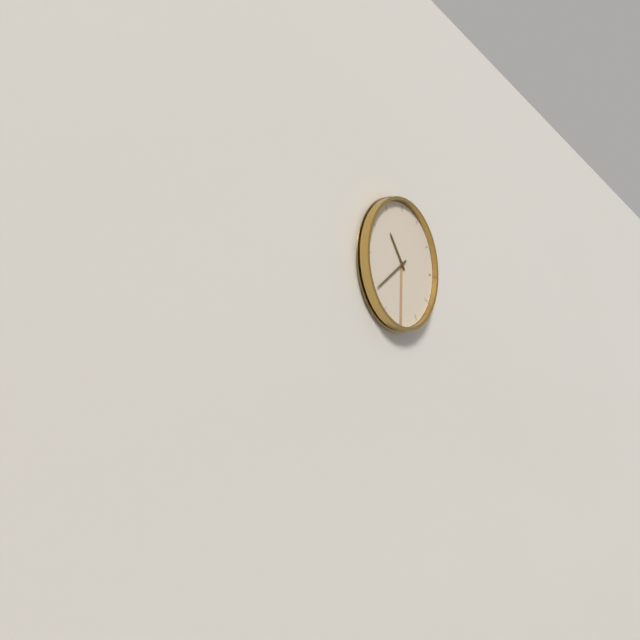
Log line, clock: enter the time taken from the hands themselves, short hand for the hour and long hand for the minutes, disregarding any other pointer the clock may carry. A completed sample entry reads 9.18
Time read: 10.39
